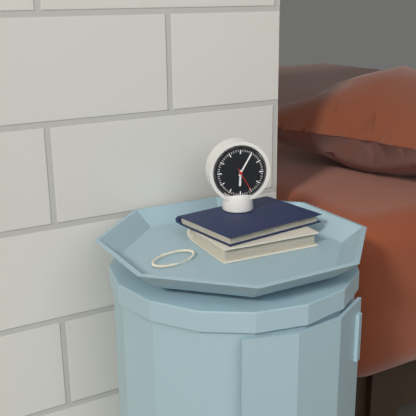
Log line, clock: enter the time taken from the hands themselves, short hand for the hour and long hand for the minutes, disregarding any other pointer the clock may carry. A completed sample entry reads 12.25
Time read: 6.05
